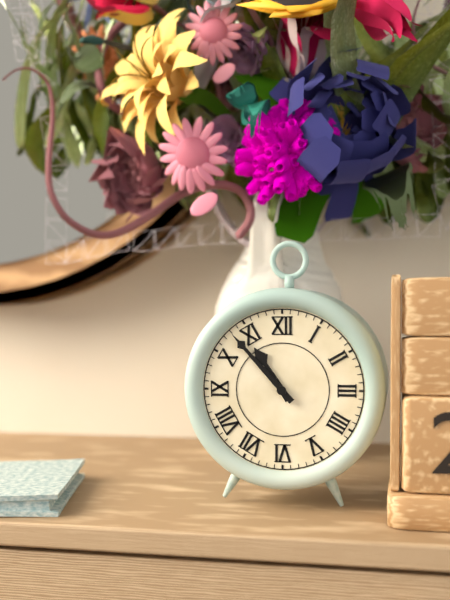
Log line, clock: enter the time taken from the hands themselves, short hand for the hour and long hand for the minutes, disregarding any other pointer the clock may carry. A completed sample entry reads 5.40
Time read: 10.53
